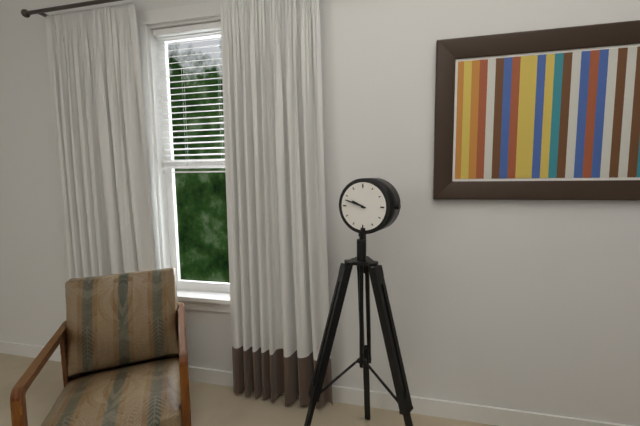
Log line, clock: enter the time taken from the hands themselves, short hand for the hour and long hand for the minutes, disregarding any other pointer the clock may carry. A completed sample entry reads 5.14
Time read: 9.48
